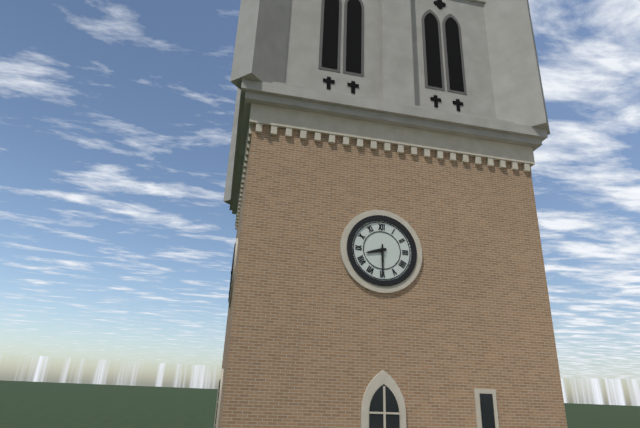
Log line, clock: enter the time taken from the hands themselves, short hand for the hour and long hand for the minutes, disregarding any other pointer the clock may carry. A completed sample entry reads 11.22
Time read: 8.30
